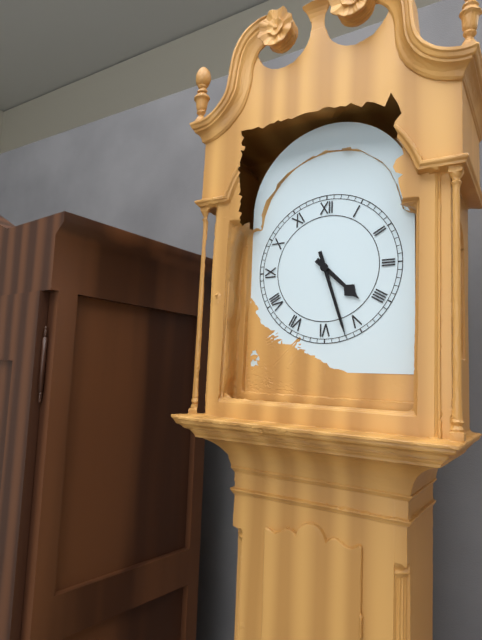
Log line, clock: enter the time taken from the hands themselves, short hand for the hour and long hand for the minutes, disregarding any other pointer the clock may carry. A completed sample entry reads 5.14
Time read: 4.27
